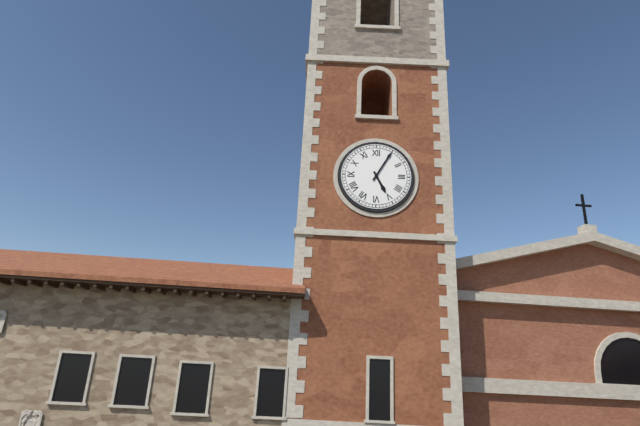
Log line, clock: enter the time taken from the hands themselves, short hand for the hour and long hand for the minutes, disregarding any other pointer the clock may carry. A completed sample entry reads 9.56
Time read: 5.05
